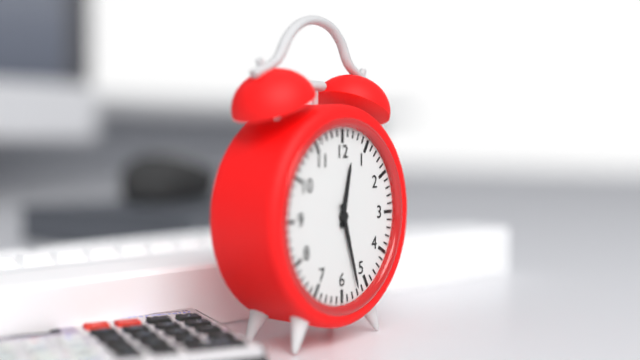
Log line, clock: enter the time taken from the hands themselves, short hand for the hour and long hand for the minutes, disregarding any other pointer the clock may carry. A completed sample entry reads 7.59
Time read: 12.27
